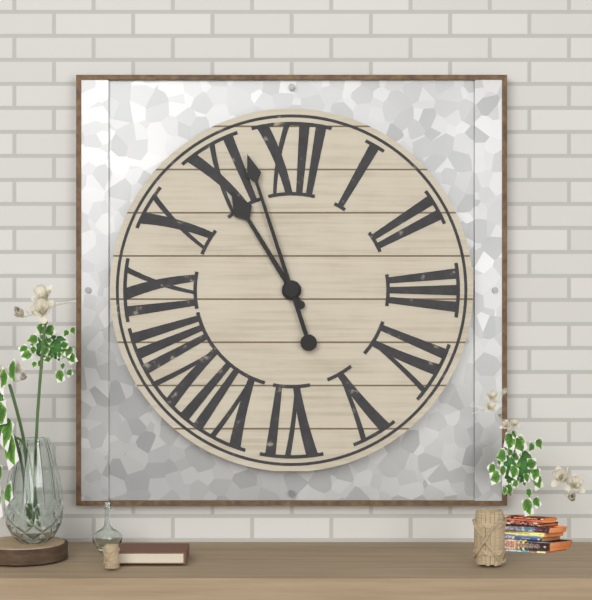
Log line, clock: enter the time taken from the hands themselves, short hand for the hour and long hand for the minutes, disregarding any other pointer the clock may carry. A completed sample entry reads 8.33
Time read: 10.57
